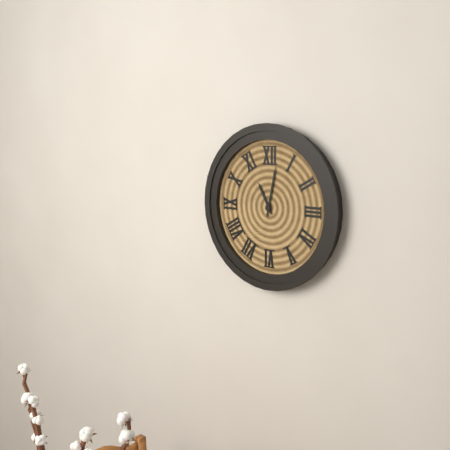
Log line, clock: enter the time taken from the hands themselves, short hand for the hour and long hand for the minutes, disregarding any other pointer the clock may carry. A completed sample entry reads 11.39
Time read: 11.02
